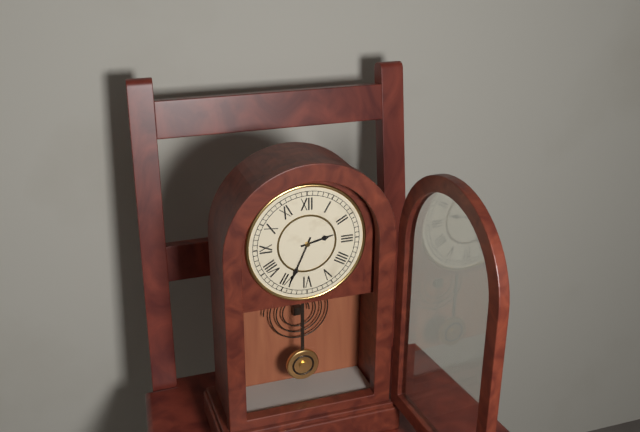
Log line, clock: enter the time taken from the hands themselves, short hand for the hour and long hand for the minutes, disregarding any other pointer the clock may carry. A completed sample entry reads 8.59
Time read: 2.34
